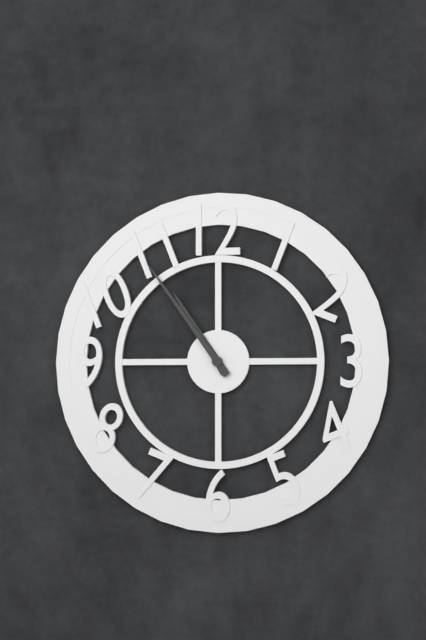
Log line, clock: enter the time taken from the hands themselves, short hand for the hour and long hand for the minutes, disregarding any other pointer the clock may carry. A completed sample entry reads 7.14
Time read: 10.54
